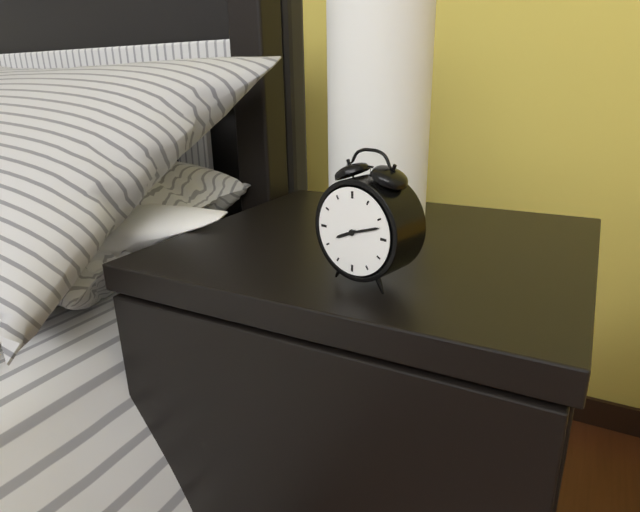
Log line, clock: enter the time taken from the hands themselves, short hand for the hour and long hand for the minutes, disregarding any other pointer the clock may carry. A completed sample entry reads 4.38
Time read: 8.12
